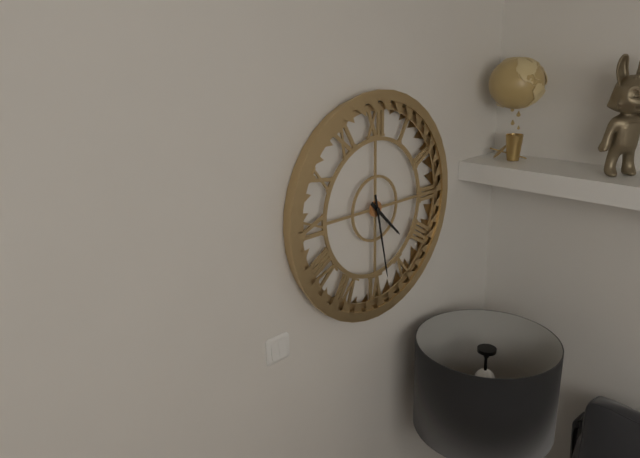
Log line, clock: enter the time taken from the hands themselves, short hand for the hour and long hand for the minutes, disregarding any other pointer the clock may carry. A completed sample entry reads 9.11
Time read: 4.28
